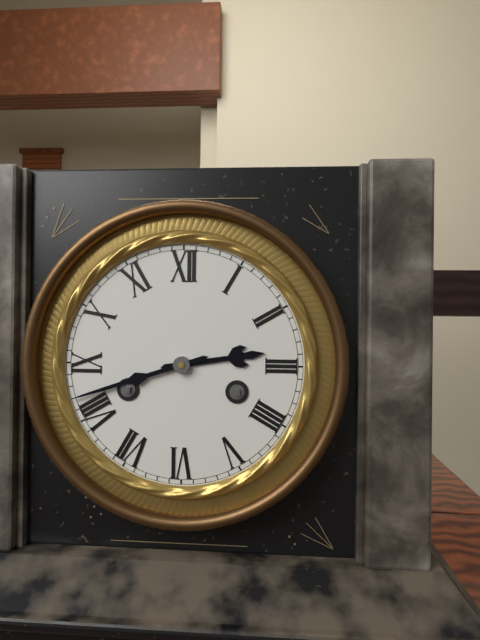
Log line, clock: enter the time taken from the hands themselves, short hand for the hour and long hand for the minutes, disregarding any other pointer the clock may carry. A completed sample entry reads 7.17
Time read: 2.42
